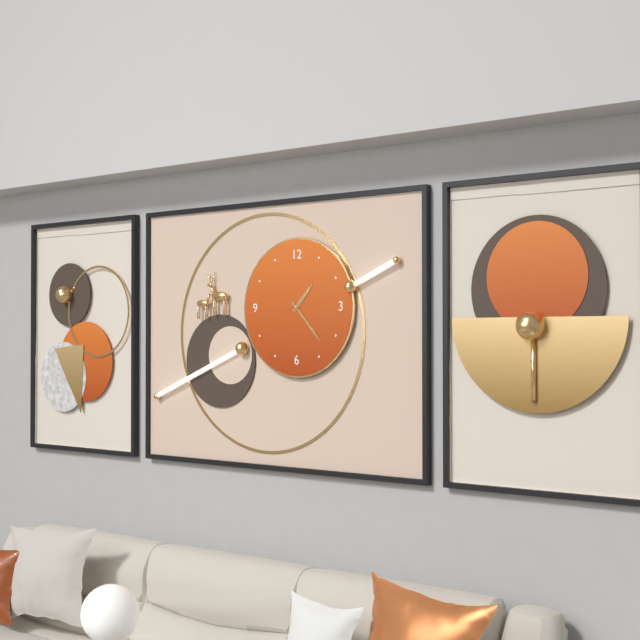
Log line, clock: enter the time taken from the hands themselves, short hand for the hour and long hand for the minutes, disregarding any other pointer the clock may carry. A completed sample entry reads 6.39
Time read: 1.23
